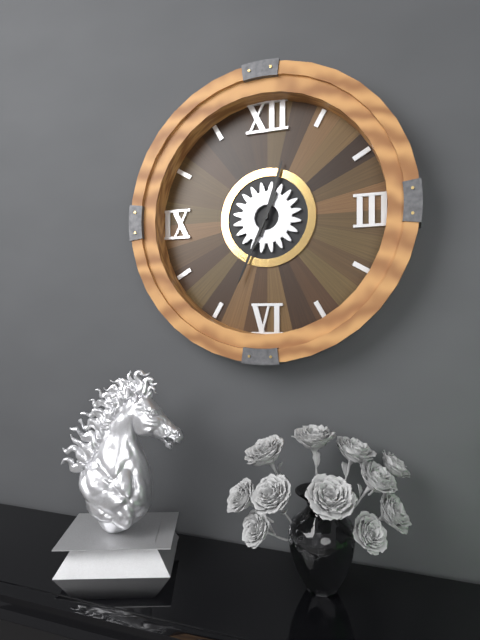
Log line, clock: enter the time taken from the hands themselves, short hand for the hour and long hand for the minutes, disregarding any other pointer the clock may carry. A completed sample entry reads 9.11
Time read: 12.34
